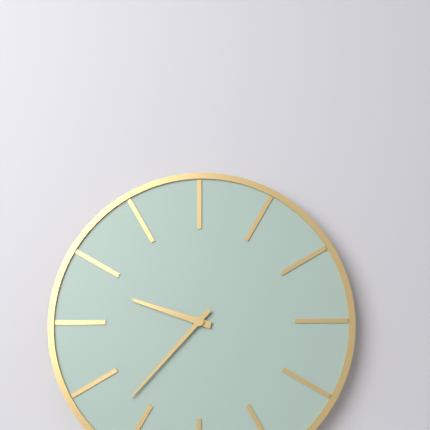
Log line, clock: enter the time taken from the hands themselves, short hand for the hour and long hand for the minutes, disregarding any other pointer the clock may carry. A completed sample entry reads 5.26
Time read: 9.37
